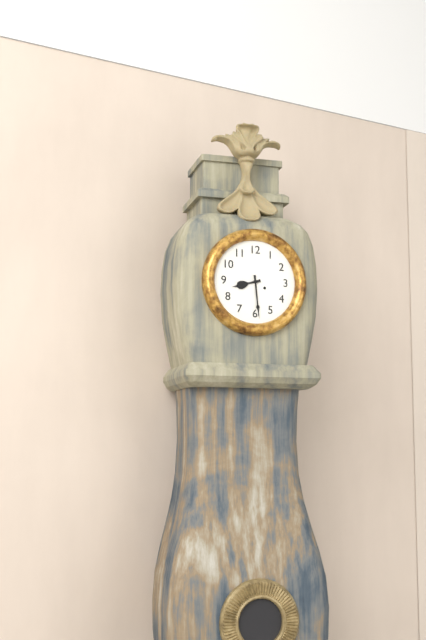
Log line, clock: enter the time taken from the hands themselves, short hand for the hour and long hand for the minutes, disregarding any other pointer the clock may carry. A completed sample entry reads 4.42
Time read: 8.29
